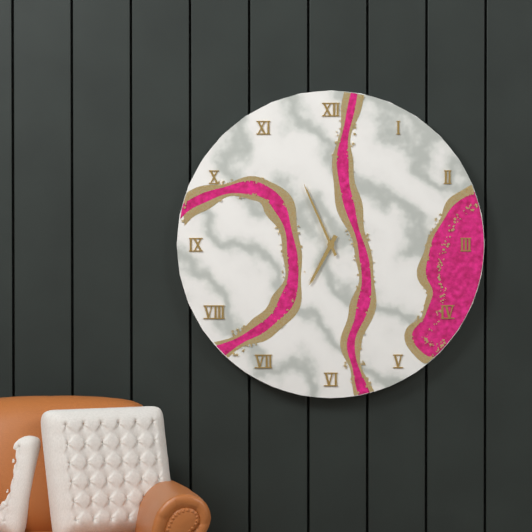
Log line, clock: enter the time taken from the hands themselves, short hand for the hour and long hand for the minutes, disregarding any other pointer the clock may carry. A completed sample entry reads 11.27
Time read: 6.56
